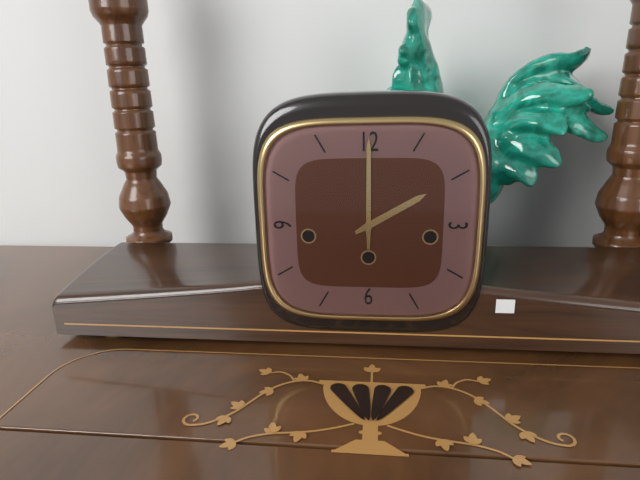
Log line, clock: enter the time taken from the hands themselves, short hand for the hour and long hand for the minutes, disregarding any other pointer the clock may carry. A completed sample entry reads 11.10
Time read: 2.00
